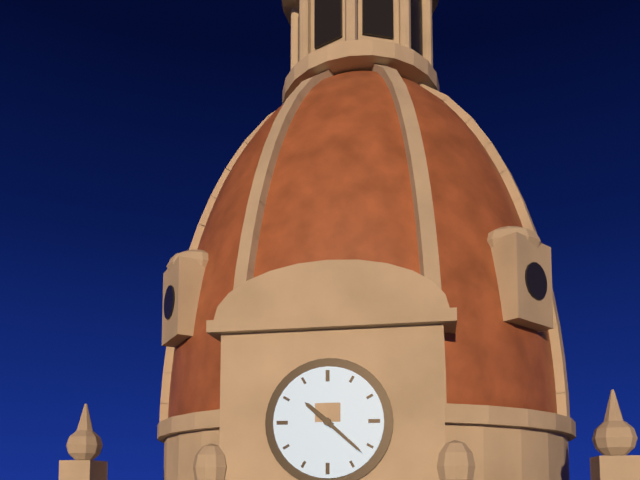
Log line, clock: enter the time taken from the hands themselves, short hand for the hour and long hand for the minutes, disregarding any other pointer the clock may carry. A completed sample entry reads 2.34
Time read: 10.22
